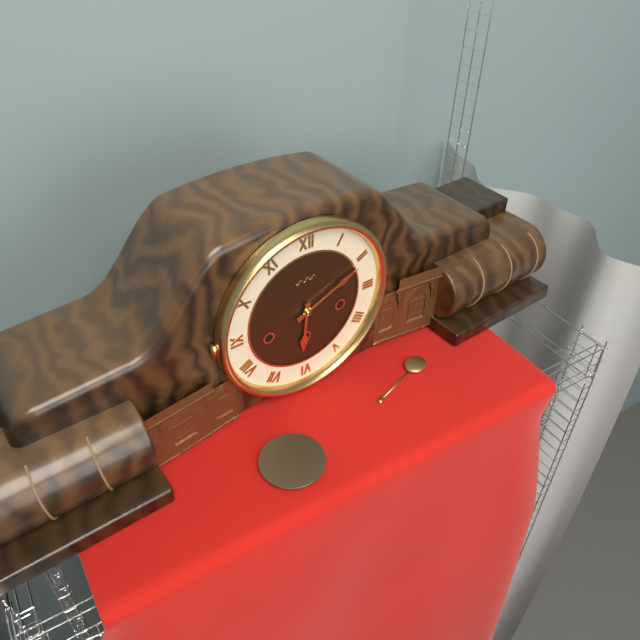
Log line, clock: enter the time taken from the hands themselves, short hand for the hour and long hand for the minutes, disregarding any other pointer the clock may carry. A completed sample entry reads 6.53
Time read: 6.11
